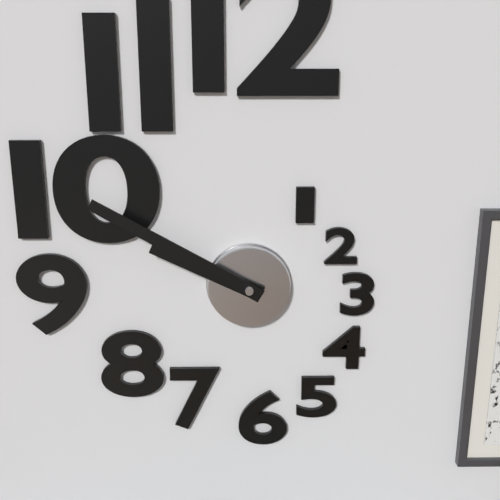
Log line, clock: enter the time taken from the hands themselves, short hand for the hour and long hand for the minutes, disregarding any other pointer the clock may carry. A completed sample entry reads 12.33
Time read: 9.50
